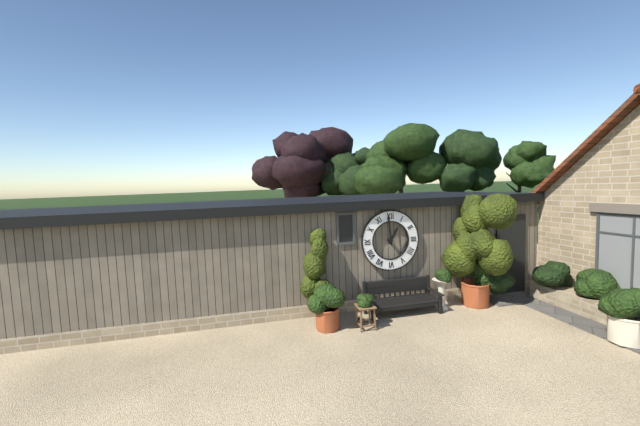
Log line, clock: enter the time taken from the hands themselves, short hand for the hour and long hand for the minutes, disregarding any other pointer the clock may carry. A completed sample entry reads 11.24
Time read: 12.59
